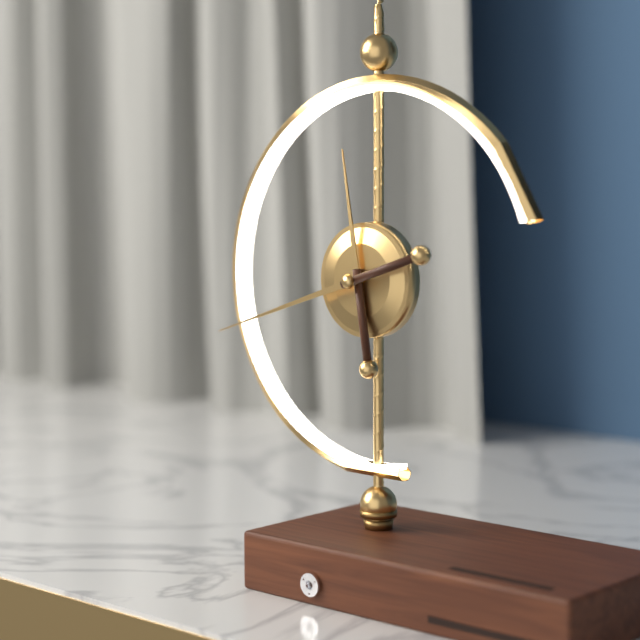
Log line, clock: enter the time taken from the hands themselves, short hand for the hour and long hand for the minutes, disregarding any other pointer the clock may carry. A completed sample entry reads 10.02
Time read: 11.42
